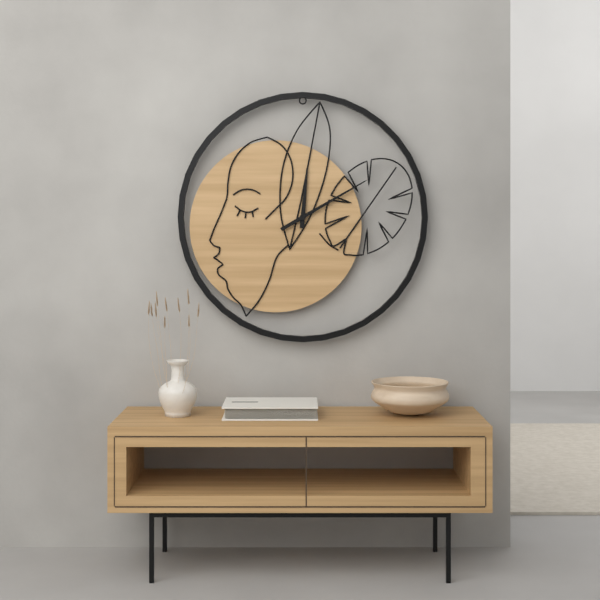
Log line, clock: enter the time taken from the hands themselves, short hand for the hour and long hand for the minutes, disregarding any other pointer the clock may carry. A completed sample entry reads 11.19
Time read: 12.10
